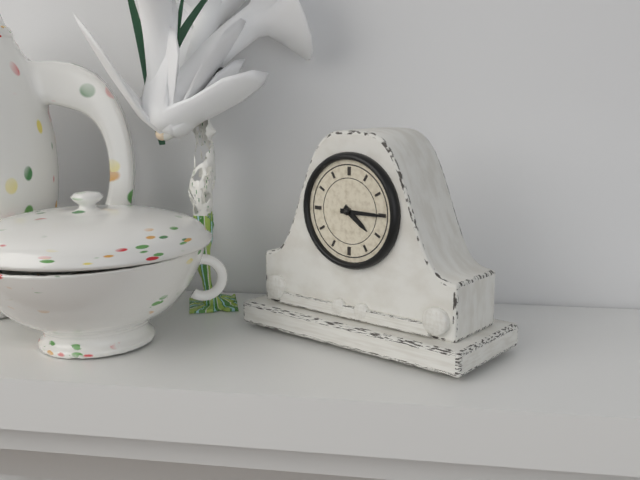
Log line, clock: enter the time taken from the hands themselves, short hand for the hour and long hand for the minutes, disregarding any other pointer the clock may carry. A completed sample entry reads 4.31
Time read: 4.15
